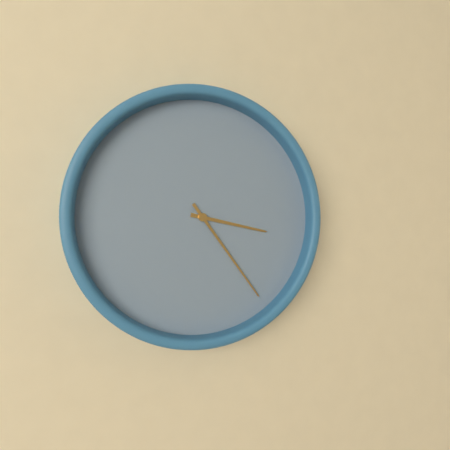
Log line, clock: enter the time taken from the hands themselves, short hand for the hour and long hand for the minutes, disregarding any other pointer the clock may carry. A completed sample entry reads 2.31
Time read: 3.24
